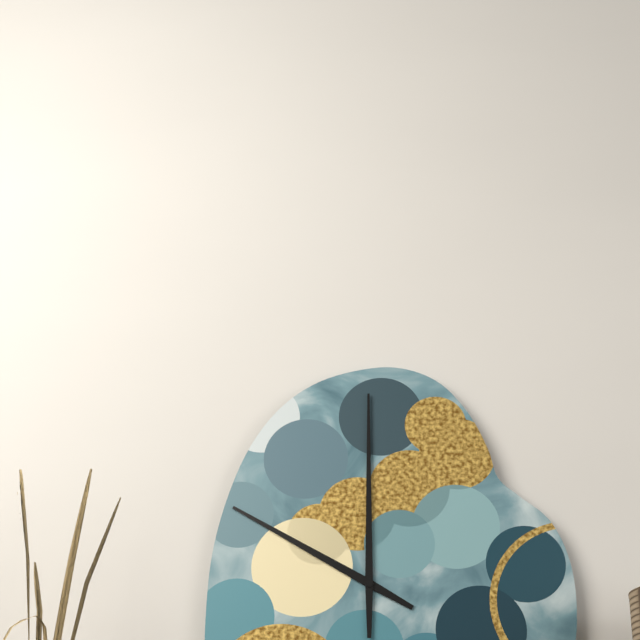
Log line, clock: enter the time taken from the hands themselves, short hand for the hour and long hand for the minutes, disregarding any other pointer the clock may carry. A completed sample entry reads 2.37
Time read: 10.00
